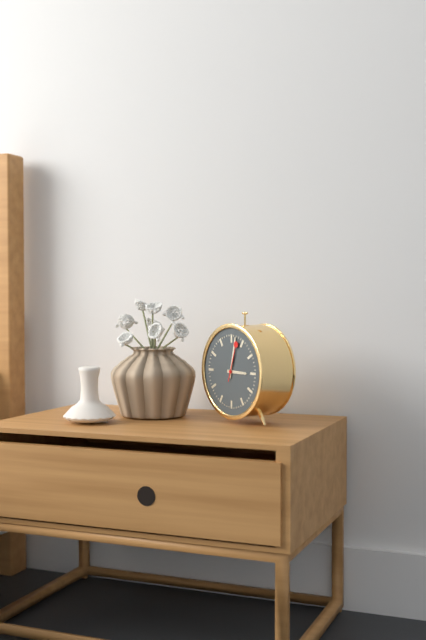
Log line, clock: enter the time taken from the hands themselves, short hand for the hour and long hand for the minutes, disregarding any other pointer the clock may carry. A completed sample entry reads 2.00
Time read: 3.02
